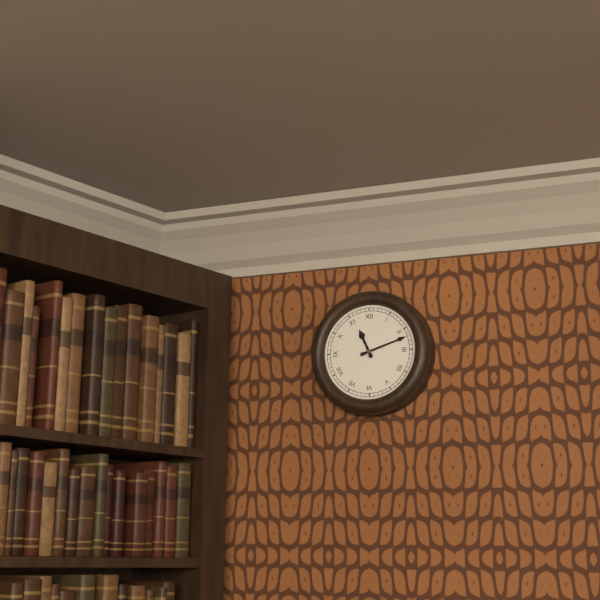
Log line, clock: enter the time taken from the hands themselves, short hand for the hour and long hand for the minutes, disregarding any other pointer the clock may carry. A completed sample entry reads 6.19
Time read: 11.12
